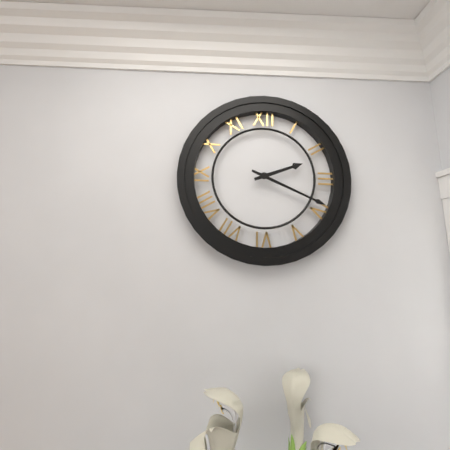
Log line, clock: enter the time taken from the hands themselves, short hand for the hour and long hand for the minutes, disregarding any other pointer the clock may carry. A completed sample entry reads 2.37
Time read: 2.19
